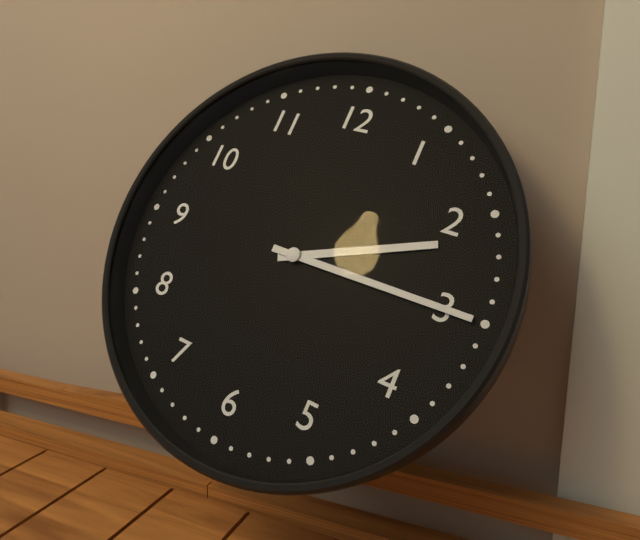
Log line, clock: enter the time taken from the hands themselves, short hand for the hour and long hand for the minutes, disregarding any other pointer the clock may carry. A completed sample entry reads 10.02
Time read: 2.15
